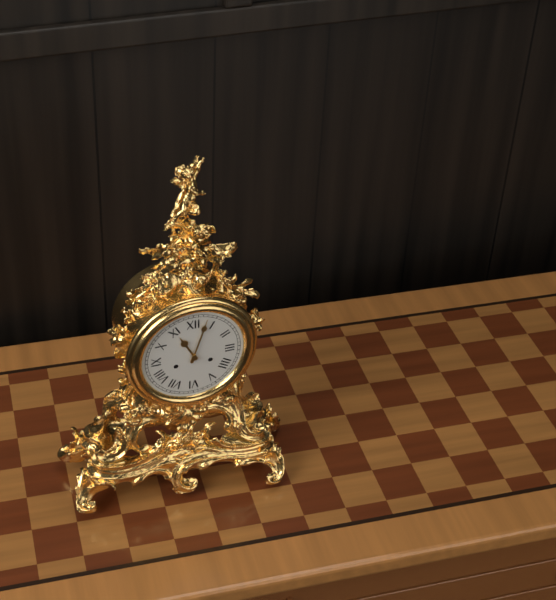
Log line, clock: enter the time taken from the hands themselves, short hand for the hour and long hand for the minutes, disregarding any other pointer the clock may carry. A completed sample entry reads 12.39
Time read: 11.03
